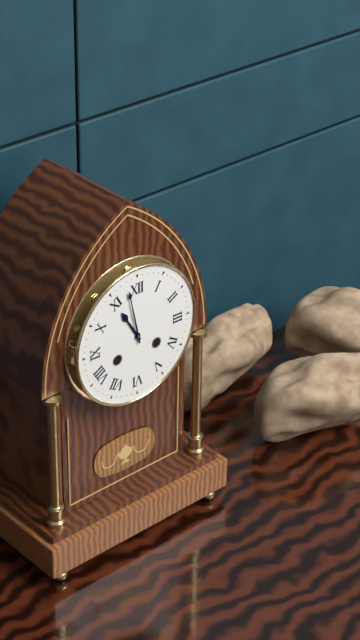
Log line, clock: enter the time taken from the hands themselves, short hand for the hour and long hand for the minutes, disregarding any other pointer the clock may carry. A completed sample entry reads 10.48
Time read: 10.58
